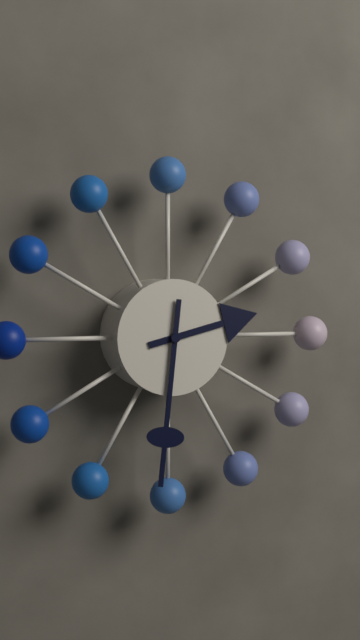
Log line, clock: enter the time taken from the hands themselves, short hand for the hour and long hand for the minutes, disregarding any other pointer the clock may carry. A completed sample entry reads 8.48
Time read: 2.31
